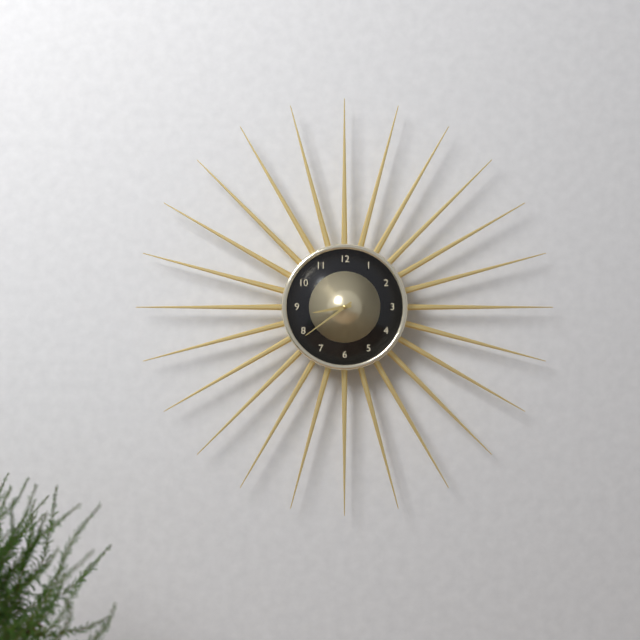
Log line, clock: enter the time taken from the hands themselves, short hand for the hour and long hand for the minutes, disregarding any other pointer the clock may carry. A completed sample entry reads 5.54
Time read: 8.39
